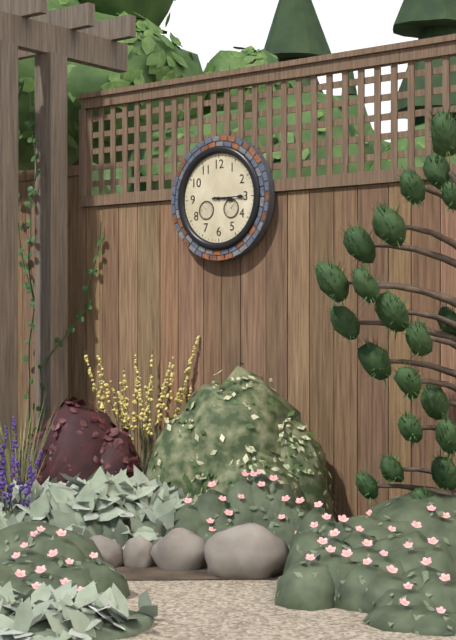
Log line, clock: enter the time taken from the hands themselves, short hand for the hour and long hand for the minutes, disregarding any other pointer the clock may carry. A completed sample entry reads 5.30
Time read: 3.15
